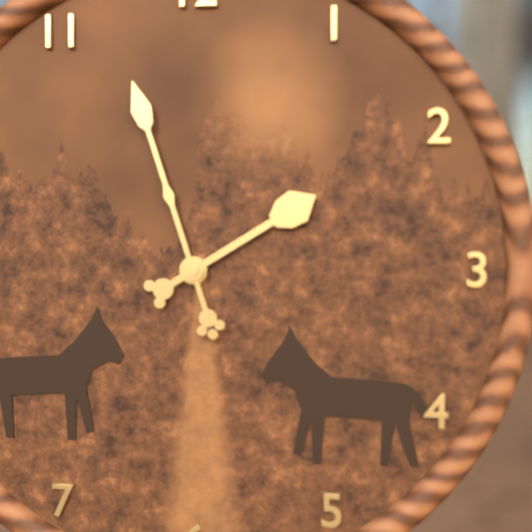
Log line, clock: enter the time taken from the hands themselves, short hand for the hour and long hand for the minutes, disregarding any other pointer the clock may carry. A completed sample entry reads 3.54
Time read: 1.57
